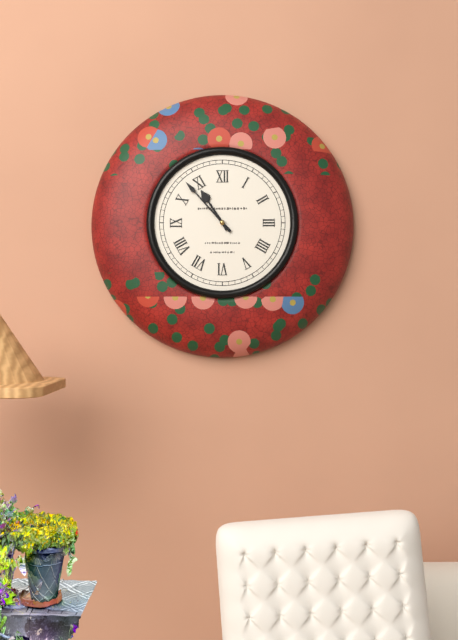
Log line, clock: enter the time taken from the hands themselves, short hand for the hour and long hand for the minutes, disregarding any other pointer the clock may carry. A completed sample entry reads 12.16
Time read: 10.53
